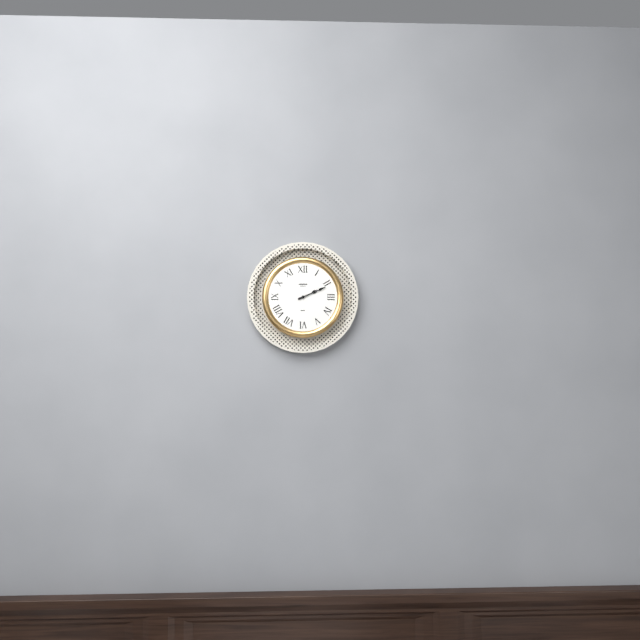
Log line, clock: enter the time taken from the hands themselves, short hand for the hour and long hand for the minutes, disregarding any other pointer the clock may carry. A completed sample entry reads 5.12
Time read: 2.11
